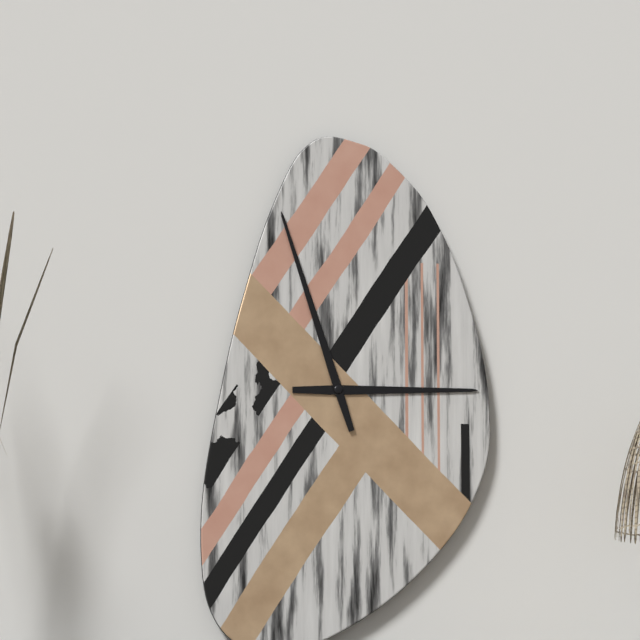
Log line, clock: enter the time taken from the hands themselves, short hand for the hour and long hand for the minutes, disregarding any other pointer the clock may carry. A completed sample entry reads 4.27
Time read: 2.57
